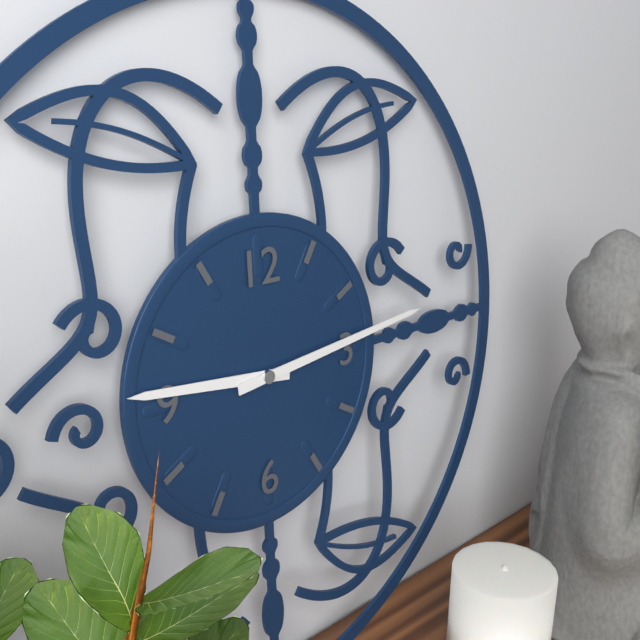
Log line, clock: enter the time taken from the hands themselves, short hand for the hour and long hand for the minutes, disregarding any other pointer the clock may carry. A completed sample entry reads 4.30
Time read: 9.14
